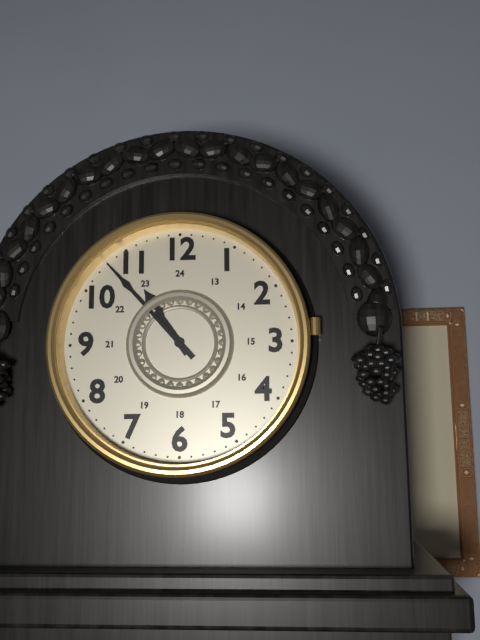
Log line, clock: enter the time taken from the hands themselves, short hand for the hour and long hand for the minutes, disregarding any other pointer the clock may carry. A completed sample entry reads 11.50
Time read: 10.53
